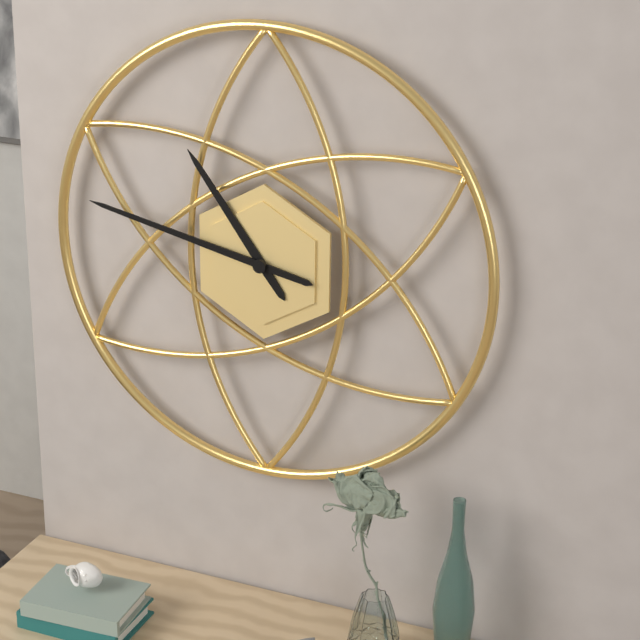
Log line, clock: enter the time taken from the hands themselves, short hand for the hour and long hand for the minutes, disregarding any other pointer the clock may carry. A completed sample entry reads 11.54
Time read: 10.47
